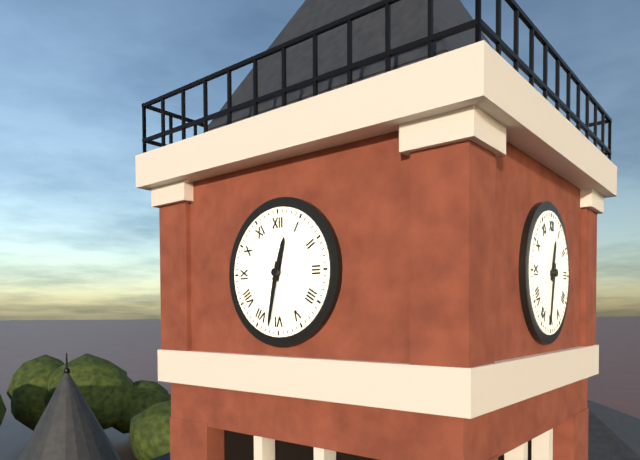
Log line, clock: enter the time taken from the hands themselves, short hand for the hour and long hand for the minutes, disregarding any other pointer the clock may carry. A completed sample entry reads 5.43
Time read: 12.32
